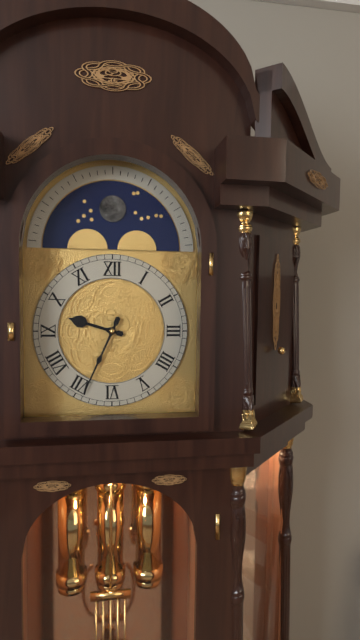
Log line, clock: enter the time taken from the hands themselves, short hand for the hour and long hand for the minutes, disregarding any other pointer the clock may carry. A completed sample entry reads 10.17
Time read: 9.34
